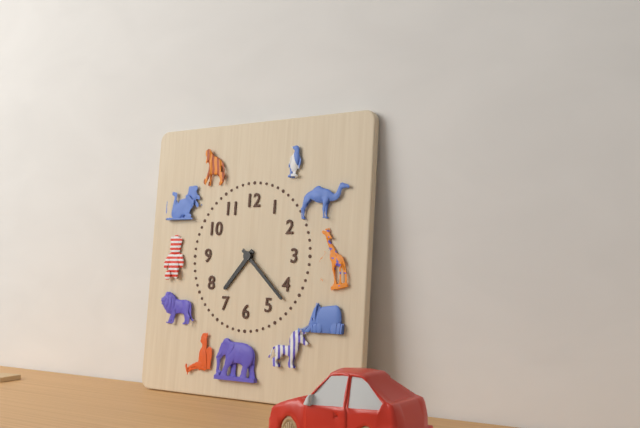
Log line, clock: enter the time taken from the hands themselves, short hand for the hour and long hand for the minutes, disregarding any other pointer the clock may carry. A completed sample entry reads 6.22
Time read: 7.22
